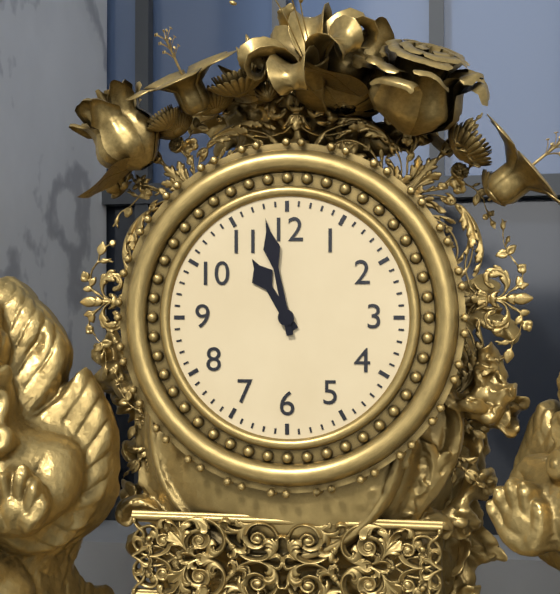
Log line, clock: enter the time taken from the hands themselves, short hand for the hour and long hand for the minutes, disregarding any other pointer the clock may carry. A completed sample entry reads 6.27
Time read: 10.58
